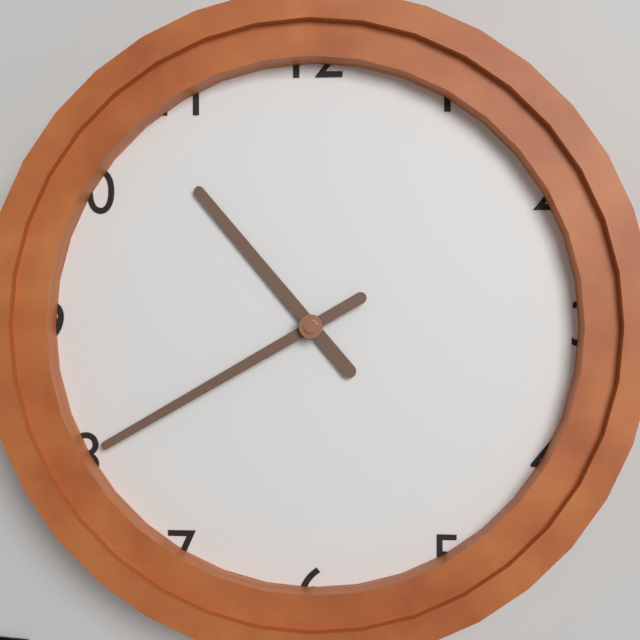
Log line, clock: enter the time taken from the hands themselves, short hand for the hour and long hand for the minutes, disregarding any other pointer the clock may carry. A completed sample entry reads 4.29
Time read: 10.40
